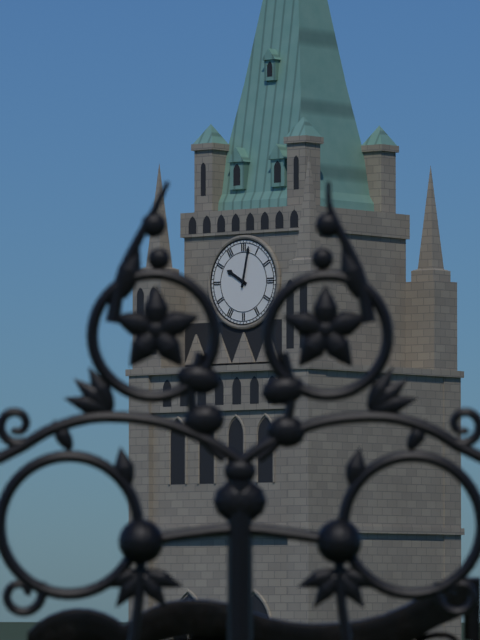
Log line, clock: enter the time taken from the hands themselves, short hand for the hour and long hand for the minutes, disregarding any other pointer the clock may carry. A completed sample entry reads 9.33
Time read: 10.02
